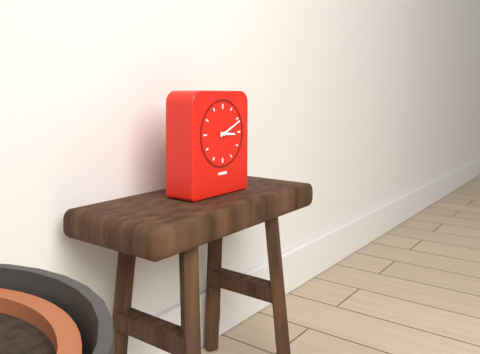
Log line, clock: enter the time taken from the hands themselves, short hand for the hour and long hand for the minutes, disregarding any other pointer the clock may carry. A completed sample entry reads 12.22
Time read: 3.11
